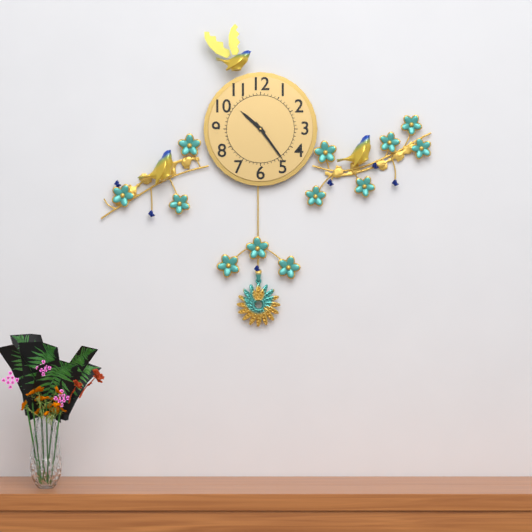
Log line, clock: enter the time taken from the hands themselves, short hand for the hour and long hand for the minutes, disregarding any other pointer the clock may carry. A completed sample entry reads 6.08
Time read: 10.24
